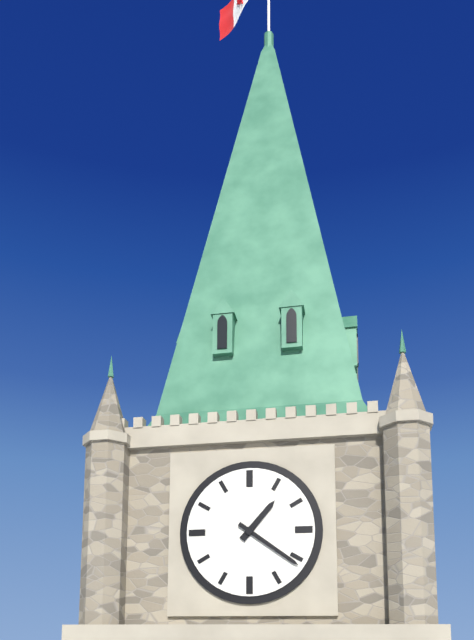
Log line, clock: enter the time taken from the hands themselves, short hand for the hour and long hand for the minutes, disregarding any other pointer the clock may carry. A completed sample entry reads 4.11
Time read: 1.21
